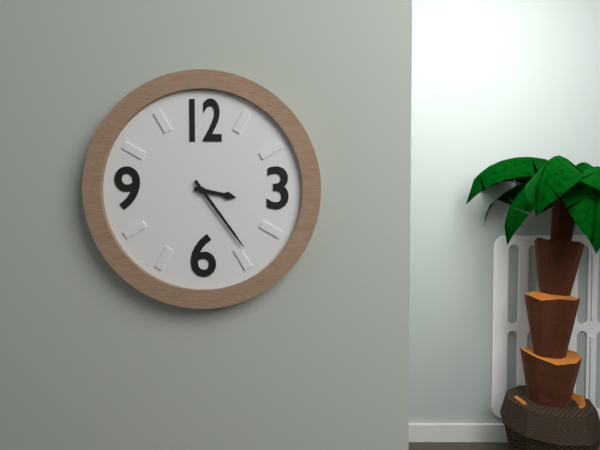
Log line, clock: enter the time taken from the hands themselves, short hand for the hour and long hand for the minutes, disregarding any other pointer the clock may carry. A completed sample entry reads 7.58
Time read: 3.24
